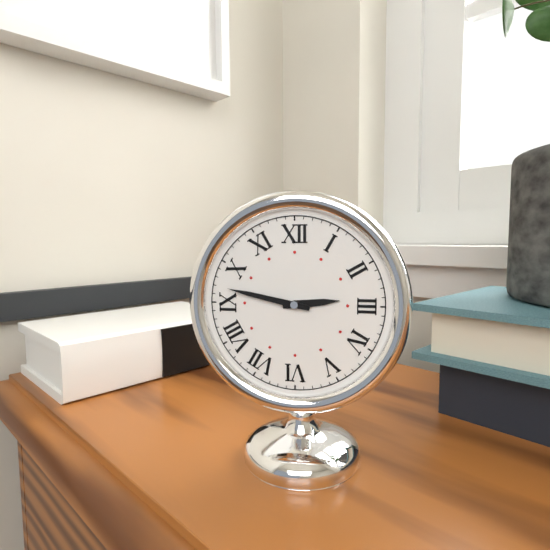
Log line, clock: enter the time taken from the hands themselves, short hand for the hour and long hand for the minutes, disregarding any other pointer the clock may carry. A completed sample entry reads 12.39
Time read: 2.47
